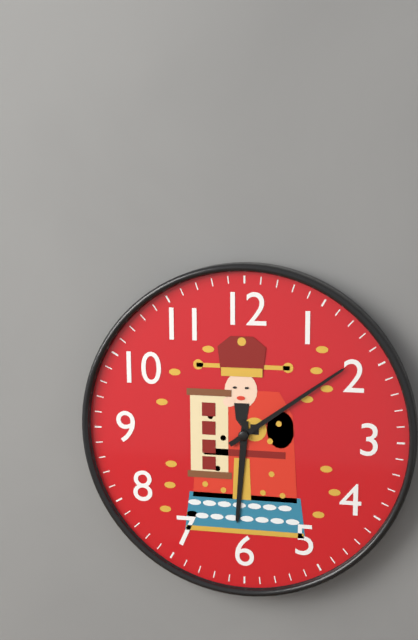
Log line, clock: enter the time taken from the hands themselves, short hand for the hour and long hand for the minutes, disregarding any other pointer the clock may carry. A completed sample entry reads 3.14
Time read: 6.09
